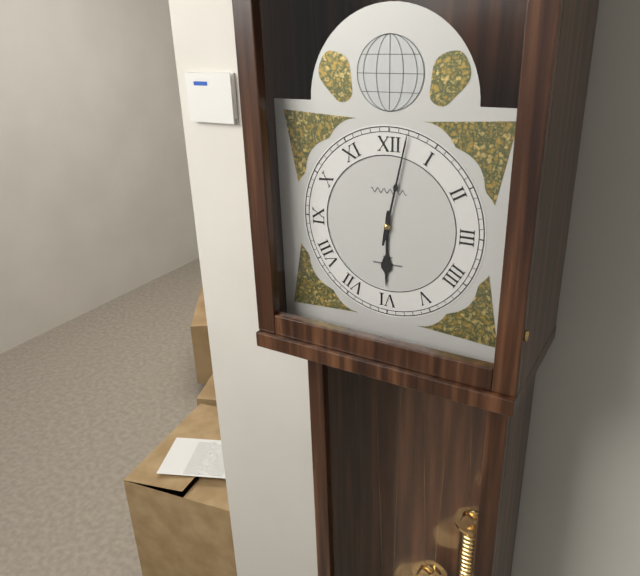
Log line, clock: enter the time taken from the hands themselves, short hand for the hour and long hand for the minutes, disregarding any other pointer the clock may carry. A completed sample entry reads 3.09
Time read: 6.02
